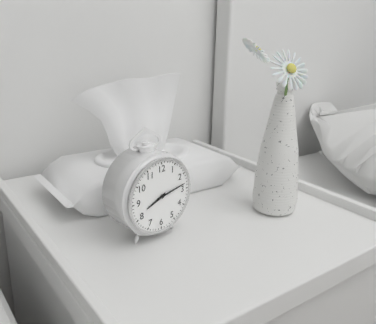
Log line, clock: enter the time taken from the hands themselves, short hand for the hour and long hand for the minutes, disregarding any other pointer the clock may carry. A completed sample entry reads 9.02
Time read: 8.13
